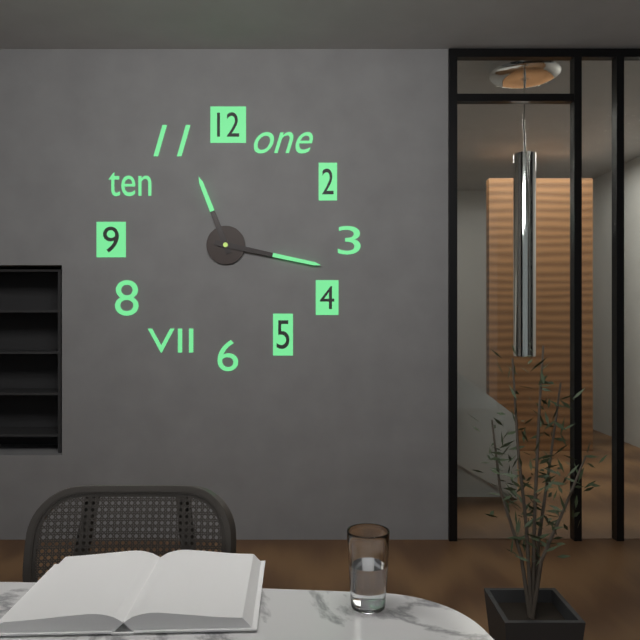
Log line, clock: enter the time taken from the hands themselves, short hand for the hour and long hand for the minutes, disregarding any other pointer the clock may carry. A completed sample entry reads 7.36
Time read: 11.17
